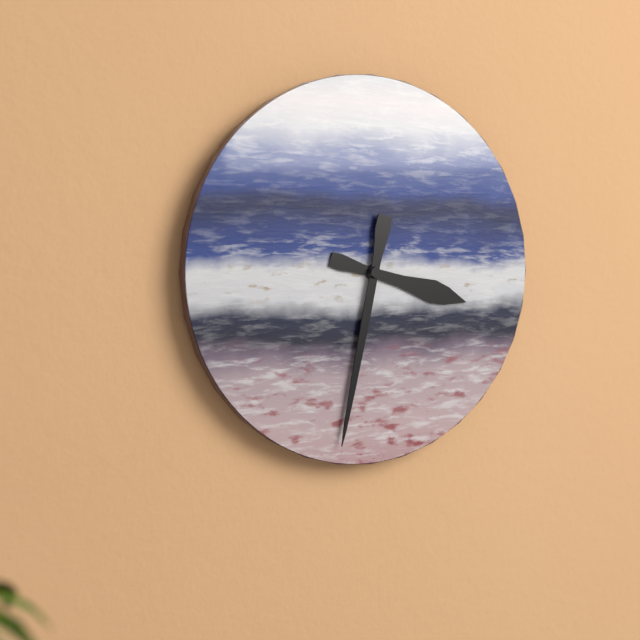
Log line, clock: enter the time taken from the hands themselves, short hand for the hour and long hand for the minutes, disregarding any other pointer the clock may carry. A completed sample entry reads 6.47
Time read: 3.32
